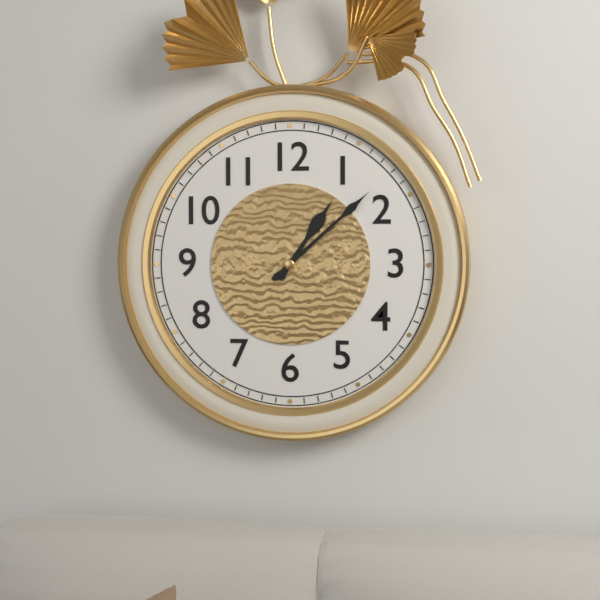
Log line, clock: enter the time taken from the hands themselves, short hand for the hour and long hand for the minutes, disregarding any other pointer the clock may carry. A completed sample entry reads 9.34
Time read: 1.08
